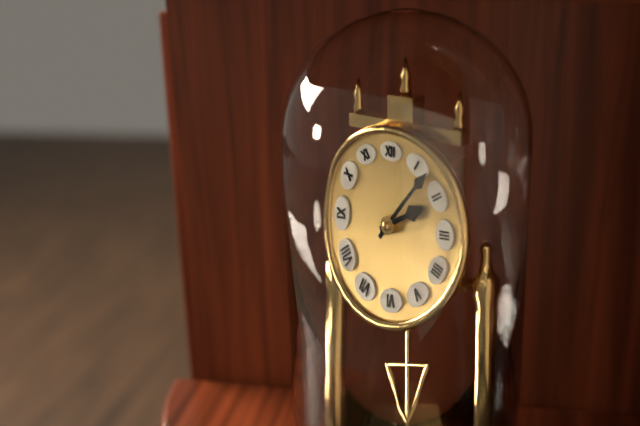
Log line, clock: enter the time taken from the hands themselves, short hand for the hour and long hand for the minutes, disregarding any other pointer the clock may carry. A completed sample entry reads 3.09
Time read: 2.07
